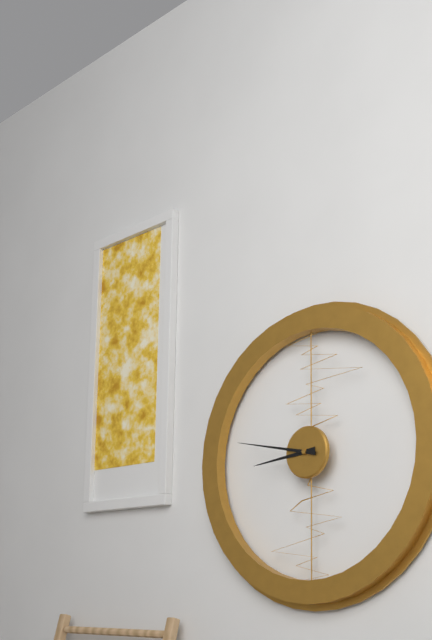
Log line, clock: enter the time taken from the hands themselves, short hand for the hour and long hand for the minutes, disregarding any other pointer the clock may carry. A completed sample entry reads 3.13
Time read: 8.47
